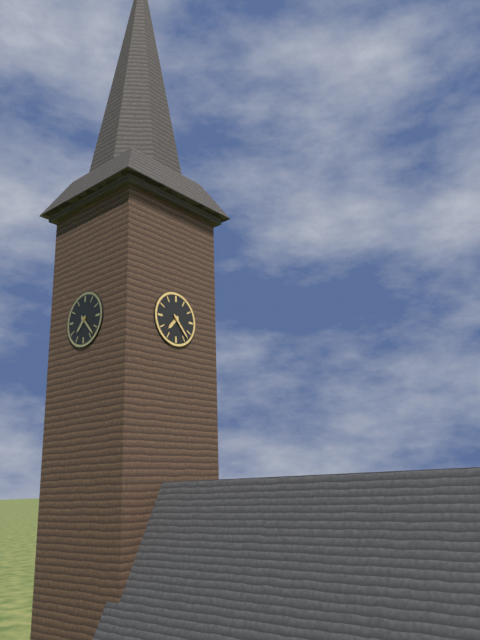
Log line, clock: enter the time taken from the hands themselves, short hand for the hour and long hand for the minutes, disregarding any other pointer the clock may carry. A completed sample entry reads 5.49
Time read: 7.23
